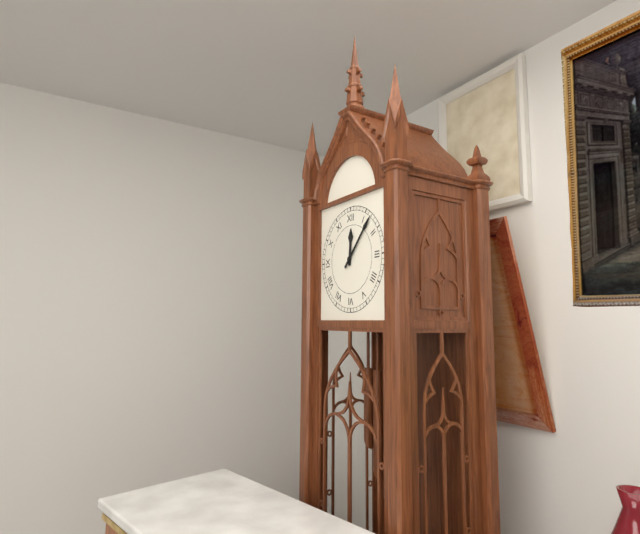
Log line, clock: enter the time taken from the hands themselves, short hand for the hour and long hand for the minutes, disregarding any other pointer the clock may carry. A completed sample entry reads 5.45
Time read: 12.07
